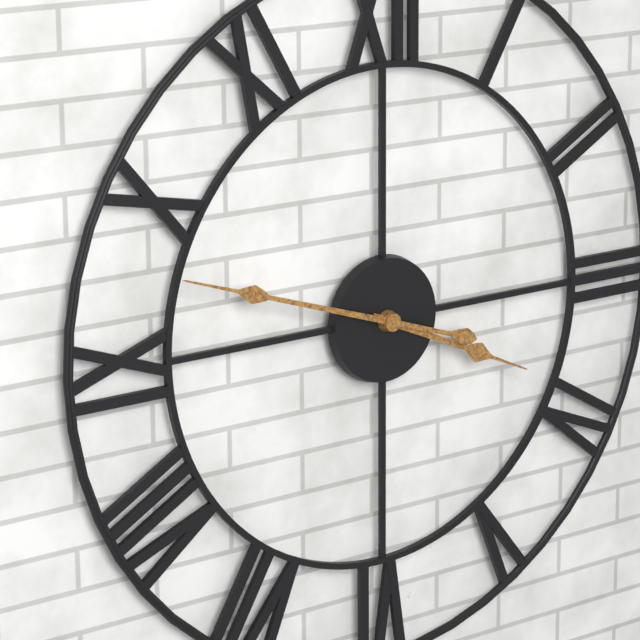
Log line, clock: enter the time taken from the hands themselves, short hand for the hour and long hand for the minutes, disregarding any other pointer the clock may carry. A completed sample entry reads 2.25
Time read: 3.48
